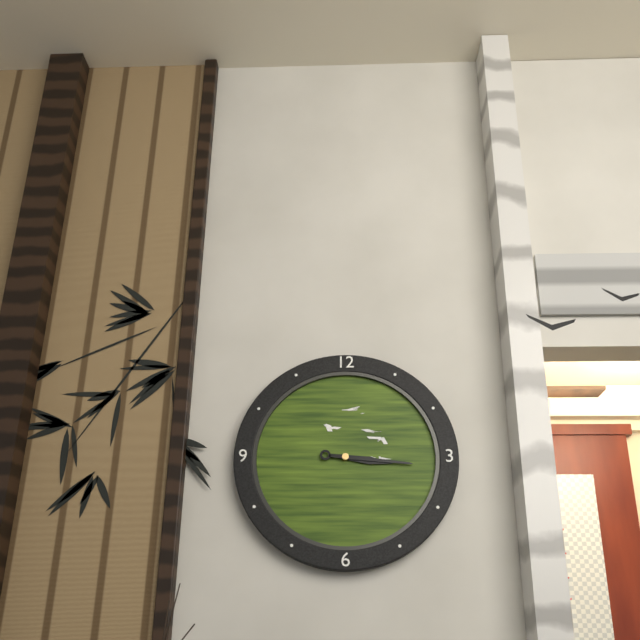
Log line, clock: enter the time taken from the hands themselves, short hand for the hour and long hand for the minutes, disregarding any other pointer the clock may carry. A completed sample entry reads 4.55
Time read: 3.16
